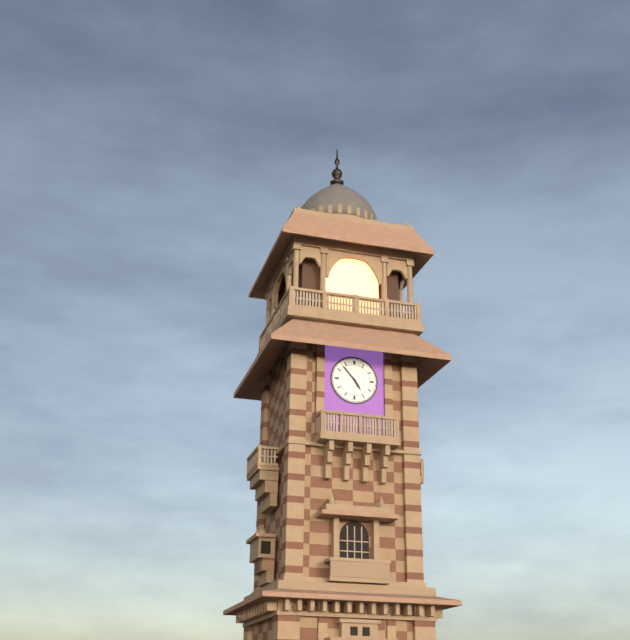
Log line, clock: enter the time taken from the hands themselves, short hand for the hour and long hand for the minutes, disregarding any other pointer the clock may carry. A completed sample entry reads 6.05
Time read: 4.53
